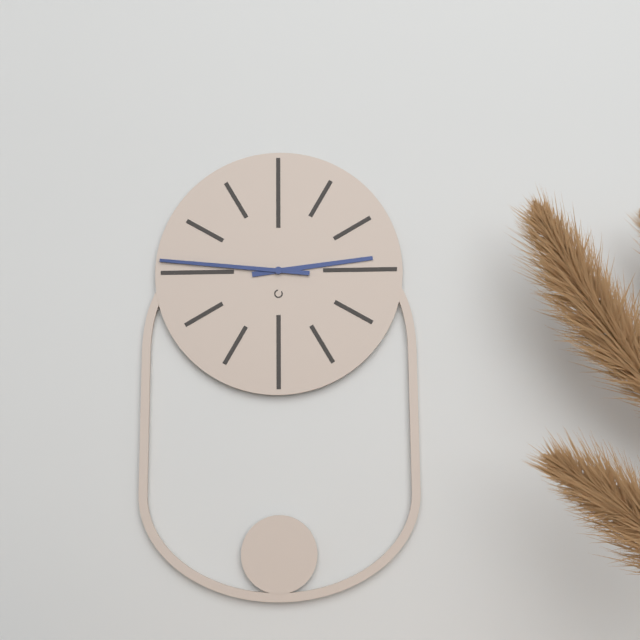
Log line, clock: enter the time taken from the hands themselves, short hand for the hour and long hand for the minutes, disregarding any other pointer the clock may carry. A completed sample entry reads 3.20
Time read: 2.46
